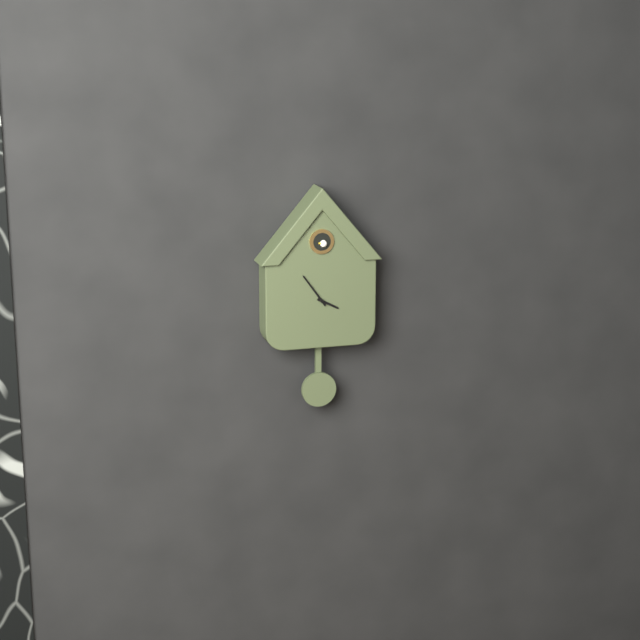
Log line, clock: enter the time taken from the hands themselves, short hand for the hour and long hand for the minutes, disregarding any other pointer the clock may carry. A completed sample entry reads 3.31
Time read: 3.54
